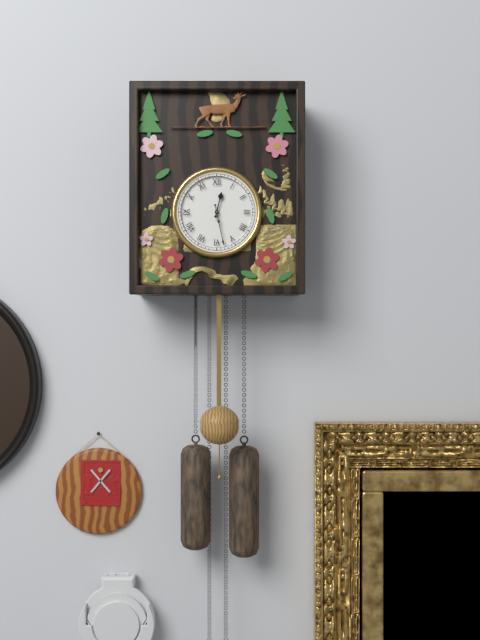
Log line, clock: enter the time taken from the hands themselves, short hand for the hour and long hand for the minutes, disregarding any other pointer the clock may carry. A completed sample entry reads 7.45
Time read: 12.28
